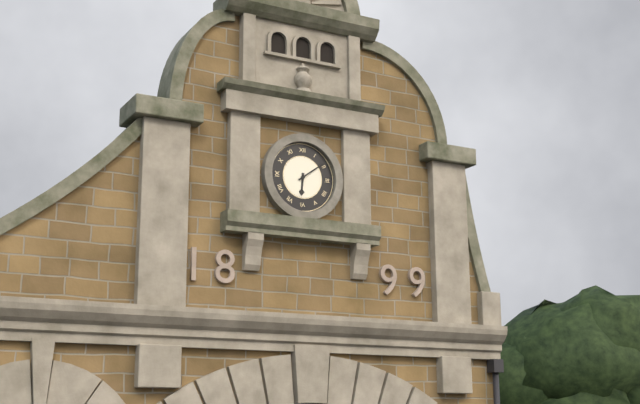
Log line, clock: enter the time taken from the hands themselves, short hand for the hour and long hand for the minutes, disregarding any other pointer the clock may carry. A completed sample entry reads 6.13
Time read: 6.09
